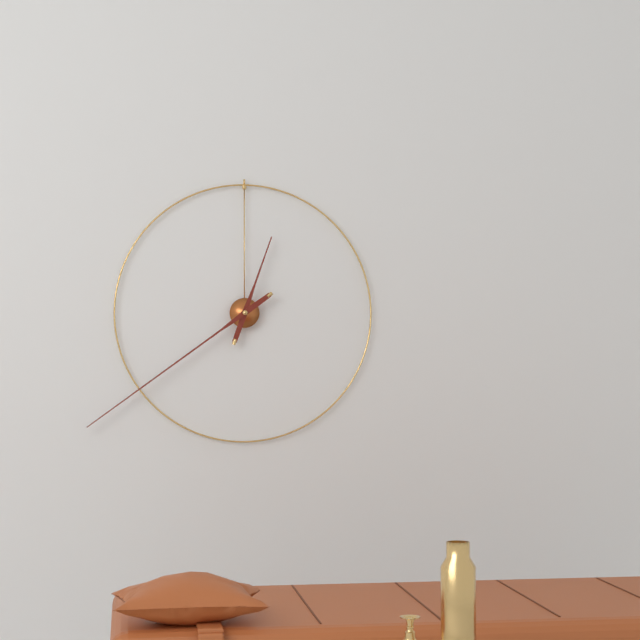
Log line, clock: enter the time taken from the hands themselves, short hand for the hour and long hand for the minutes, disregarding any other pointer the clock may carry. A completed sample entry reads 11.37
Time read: 12.39
